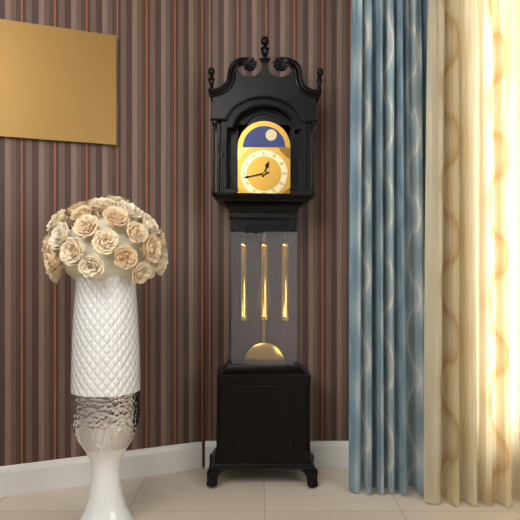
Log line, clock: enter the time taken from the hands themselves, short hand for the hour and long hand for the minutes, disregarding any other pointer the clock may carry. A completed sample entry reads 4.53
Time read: 12.43
